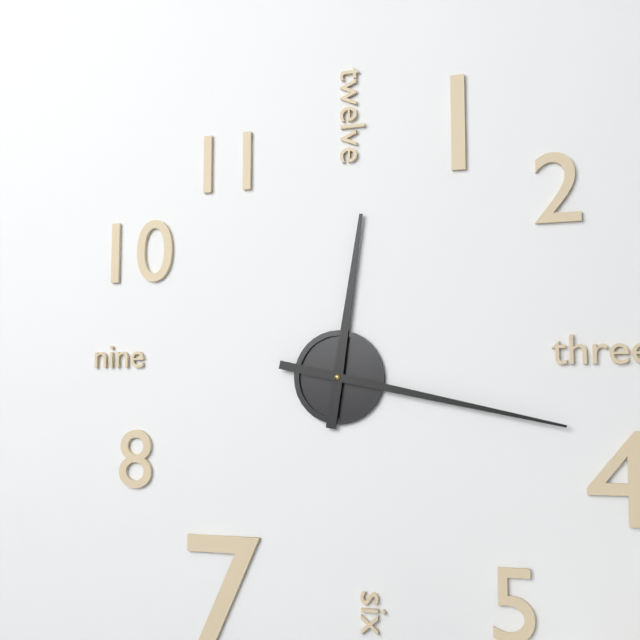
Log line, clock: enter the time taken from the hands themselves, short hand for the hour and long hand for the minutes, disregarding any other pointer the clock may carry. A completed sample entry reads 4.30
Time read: 12.17
